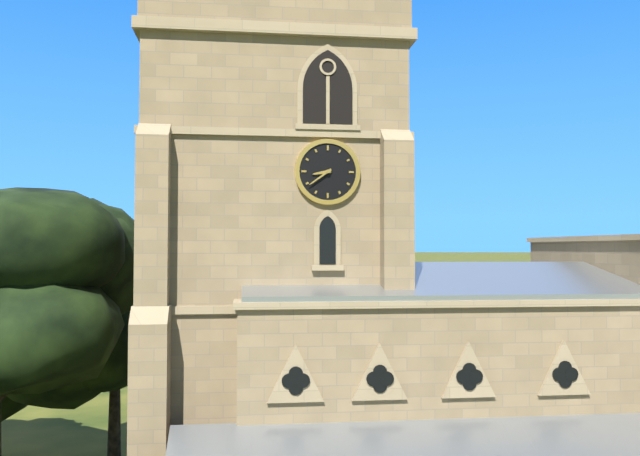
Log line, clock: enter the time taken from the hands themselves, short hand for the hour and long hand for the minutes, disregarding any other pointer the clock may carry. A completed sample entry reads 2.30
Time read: 8.39
